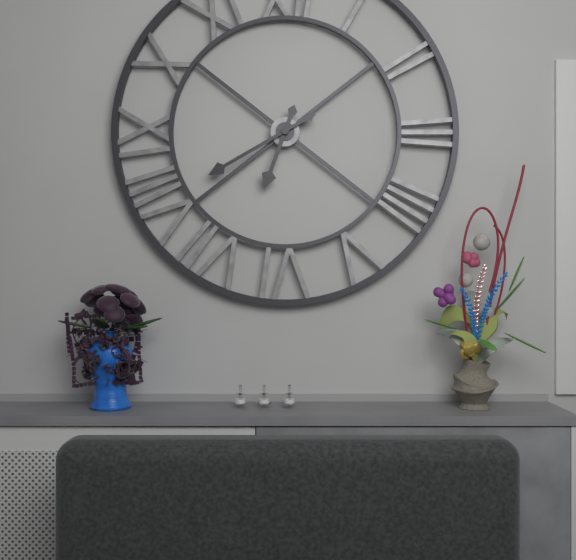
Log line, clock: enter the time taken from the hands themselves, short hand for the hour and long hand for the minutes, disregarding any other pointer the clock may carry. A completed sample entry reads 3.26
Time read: 6.40
